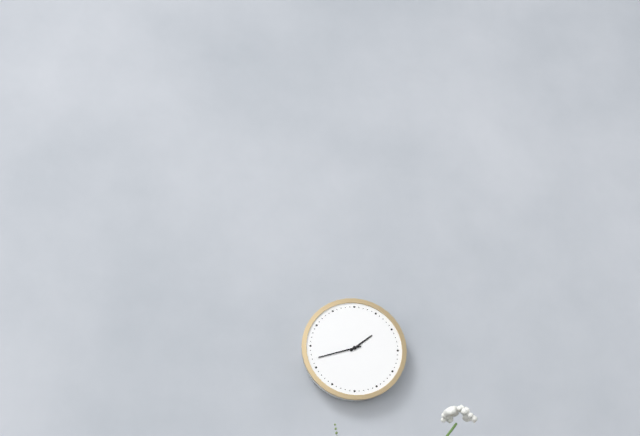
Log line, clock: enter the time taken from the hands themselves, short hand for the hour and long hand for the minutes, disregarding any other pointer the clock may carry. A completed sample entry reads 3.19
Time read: 1.42
